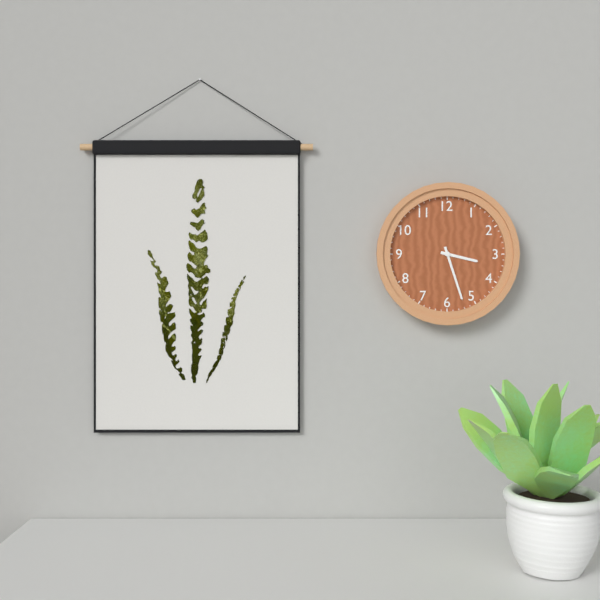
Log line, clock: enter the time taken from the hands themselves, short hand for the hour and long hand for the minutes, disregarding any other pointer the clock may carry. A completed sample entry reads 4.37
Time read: 3.27
